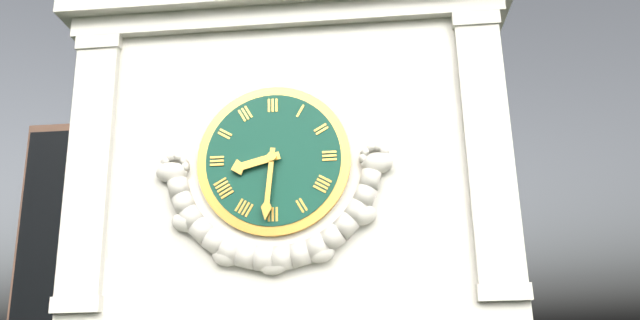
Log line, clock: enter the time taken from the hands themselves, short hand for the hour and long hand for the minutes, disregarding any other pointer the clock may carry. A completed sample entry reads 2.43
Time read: 8.31
